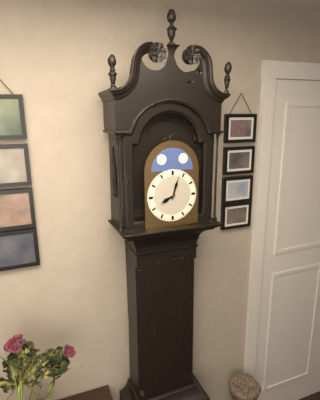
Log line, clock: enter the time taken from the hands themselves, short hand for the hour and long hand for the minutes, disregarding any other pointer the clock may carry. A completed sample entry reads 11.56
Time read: 8.03
